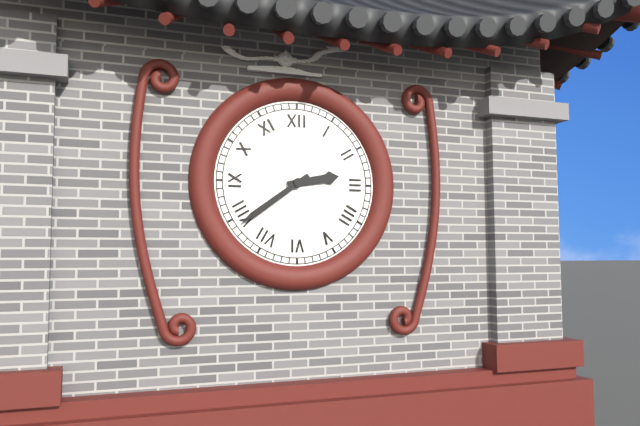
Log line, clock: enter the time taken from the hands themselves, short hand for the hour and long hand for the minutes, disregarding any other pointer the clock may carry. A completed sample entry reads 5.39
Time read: 2.39
